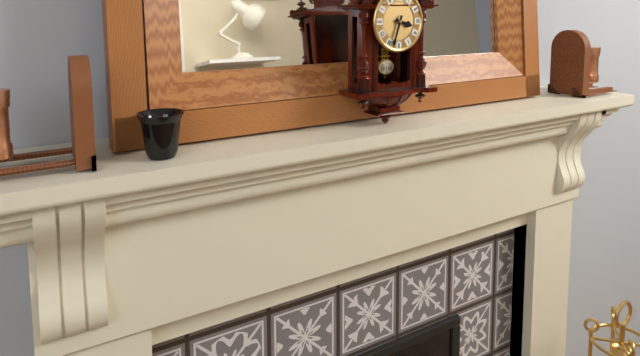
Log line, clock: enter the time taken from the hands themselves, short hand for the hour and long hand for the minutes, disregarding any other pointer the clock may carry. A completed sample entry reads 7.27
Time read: 3.33
